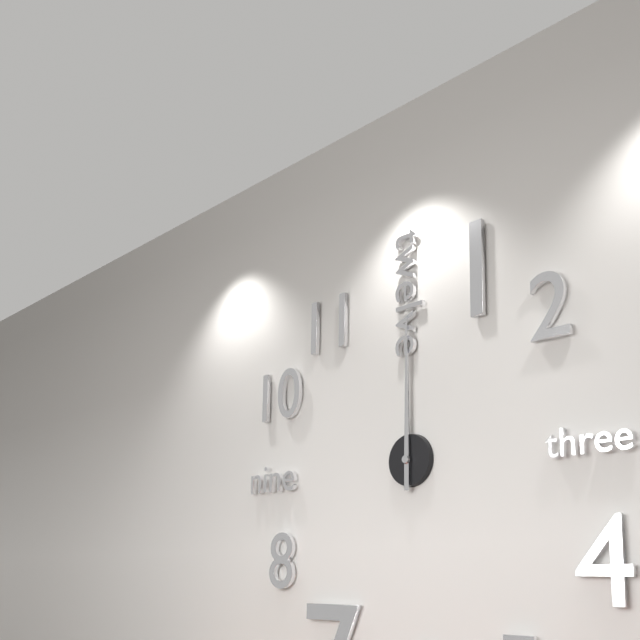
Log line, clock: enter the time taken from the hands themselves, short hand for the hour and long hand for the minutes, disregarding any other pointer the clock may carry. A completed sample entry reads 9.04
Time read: 12.00
